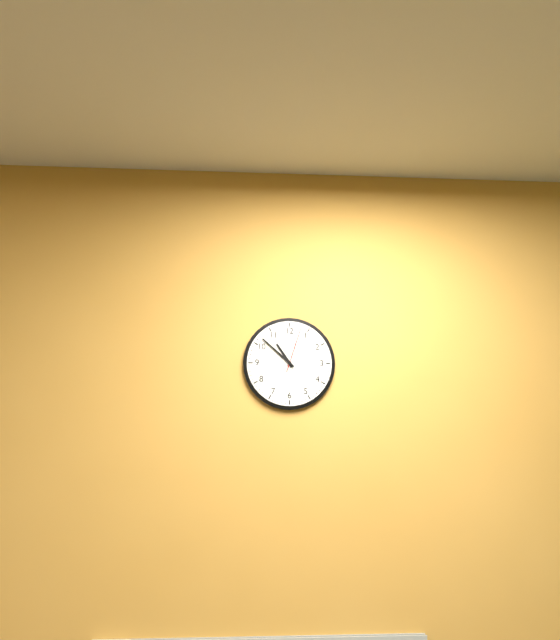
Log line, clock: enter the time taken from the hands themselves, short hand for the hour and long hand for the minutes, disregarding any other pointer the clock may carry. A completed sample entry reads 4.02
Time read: 10.52
